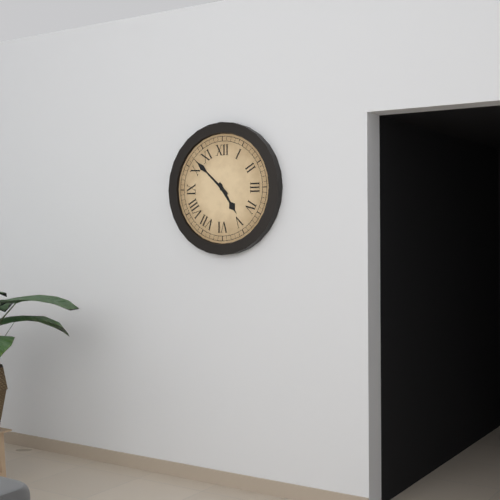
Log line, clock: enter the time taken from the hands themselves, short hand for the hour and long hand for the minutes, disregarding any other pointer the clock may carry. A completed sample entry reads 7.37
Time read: 4.52
